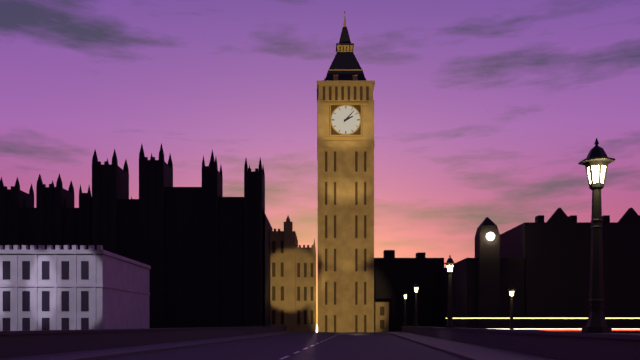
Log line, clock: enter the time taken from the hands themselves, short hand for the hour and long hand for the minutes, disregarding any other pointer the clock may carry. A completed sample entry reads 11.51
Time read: 2.07
